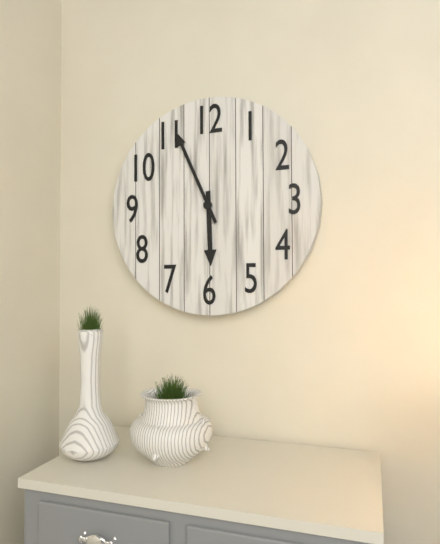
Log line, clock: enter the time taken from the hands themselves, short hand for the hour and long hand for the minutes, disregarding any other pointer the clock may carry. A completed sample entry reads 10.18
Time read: 5.56
